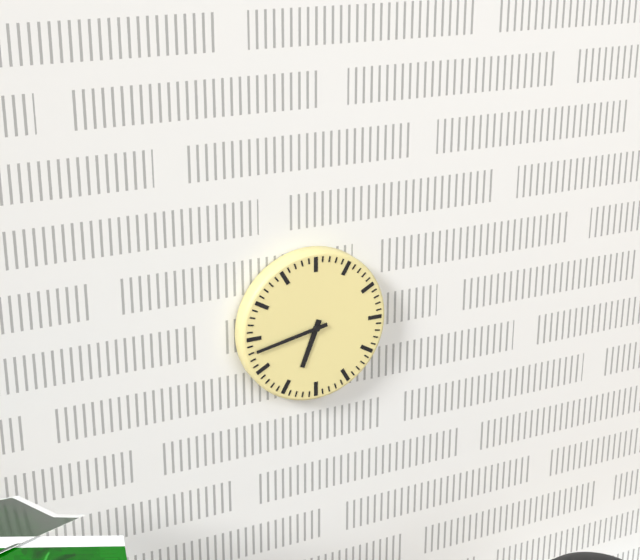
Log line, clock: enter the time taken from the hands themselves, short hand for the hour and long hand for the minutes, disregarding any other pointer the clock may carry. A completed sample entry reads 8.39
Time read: 6.43
